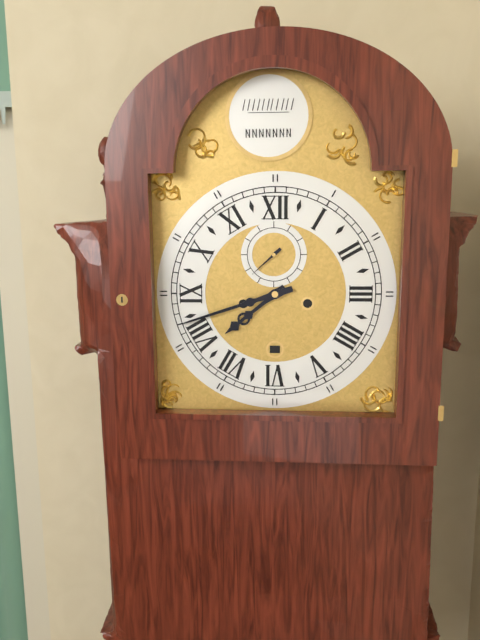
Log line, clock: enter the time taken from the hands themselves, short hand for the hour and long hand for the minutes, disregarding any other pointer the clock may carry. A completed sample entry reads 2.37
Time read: 7.42
